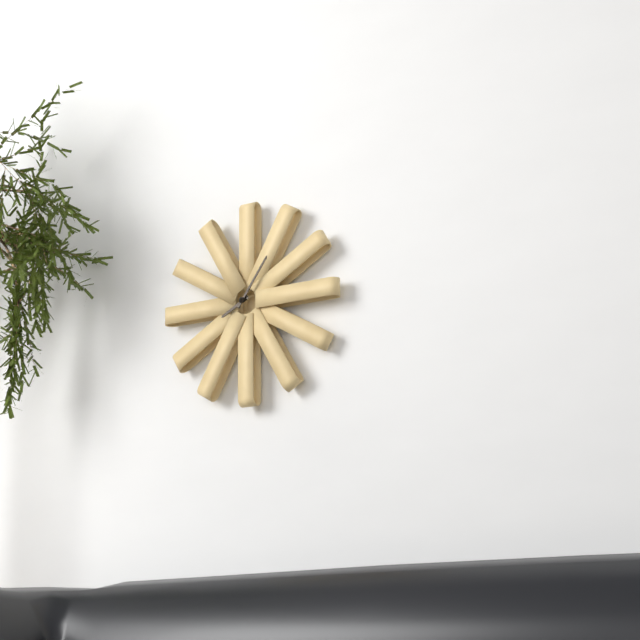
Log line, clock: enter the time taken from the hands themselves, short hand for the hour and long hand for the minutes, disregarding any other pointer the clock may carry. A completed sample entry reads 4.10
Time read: 8.06
